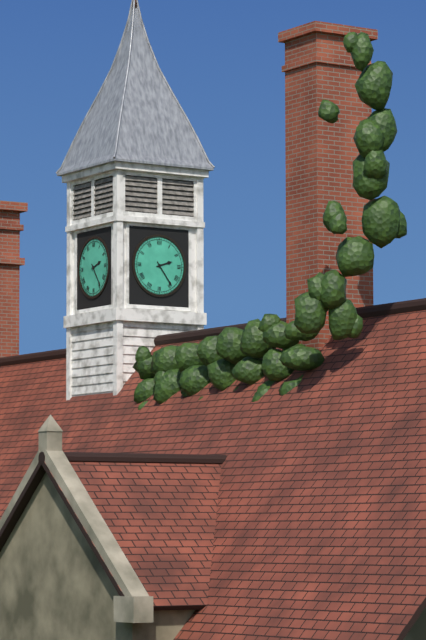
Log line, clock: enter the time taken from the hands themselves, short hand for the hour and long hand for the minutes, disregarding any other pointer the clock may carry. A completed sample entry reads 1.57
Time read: 2.24
